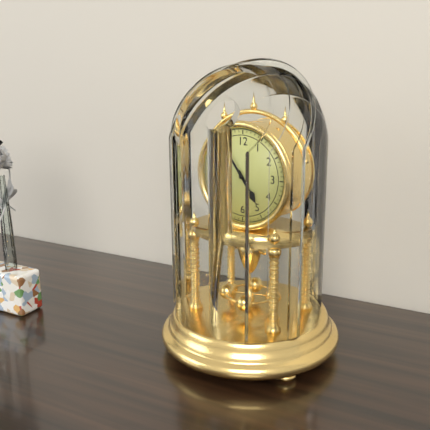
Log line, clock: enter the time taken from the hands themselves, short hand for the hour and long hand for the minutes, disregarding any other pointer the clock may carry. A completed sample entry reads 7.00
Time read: 4.54
